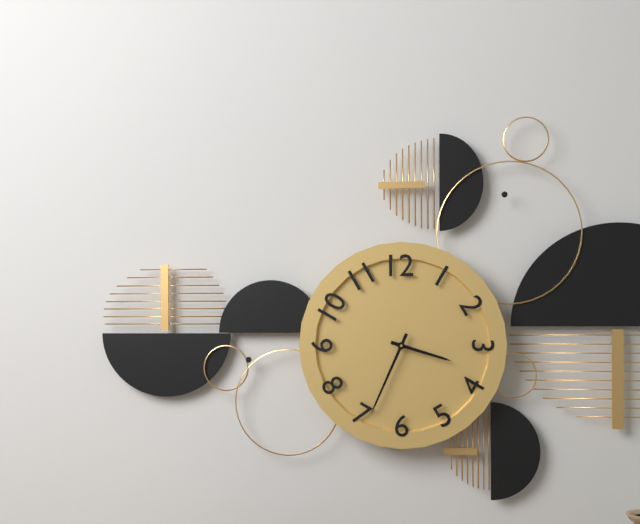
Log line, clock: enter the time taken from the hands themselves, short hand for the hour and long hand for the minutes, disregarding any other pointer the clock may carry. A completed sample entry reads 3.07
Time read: 3.34
